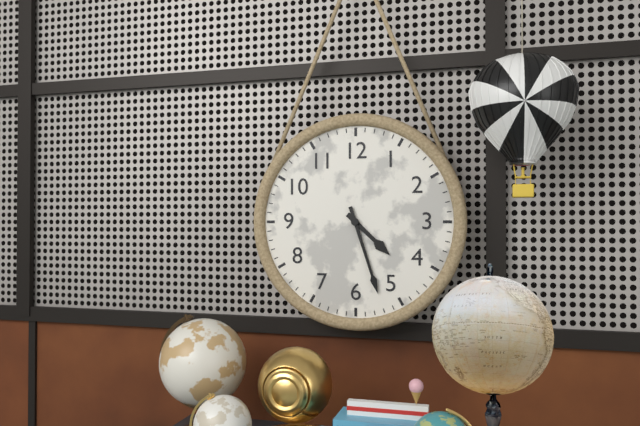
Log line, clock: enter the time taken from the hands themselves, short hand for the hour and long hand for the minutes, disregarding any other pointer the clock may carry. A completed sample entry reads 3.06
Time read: 4.27
